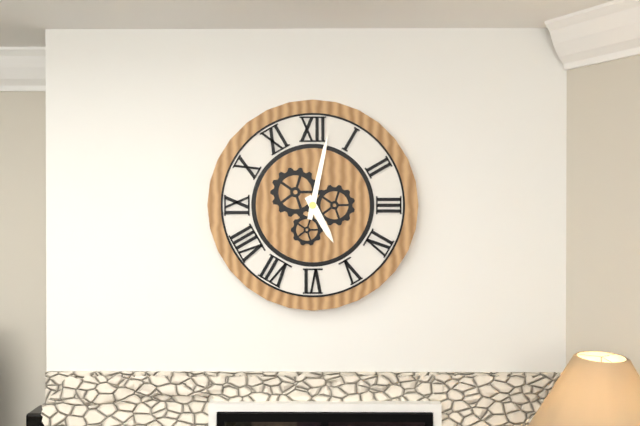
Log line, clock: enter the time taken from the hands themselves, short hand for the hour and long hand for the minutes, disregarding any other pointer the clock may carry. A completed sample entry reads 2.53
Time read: 5.02
